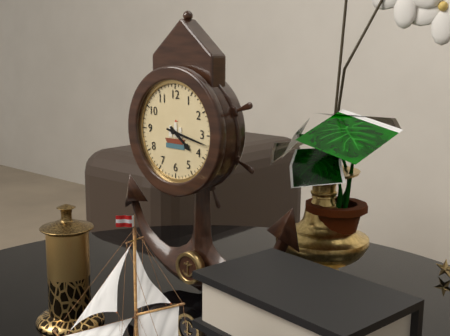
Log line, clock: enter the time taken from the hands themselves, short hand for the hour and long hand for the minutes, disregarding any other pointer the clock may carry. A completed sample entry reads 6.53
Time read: 4.17
